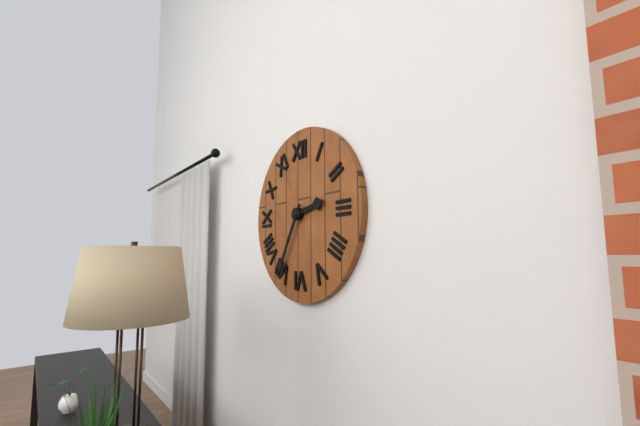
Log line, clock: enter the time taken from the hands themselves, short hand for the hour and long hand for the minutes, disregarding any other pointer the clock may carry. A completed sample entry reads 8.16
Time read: 2.35
